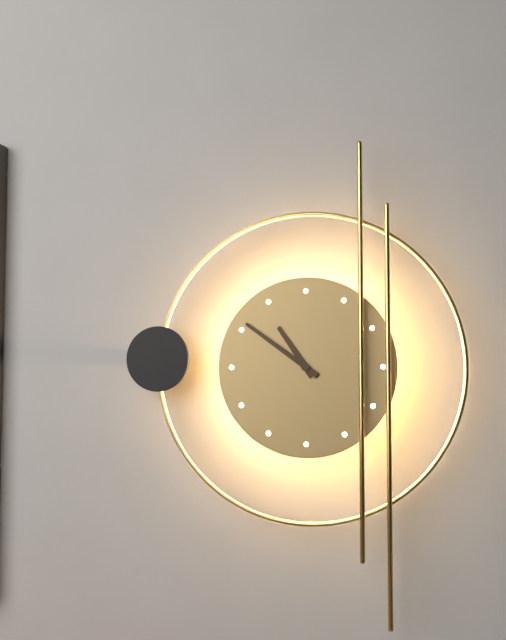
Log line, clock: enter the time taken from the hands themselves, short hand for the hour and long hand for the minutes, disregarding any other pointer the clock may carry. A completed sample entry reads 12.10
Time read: 10.51
